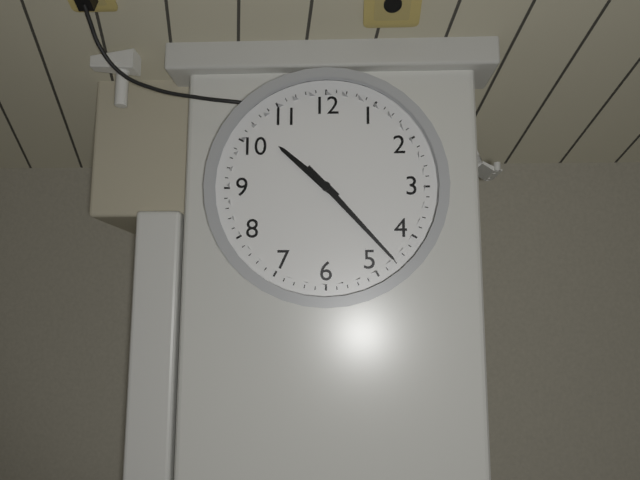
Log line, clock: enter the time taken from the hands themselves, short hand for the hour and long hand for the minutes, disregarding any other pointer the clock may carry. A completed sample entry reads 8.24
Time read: 10.23
